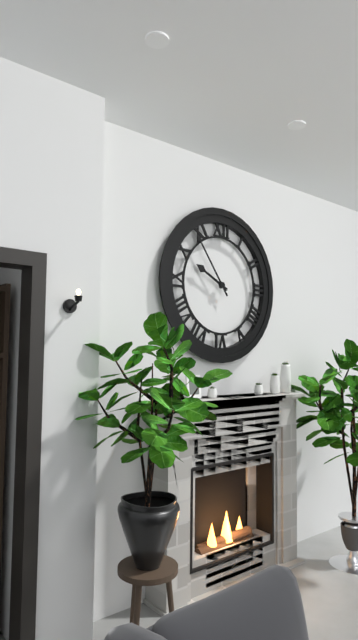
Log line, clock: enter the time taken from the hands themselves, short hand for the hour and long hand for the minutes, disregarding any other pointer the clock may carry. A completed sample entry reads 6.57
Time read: 9.54
